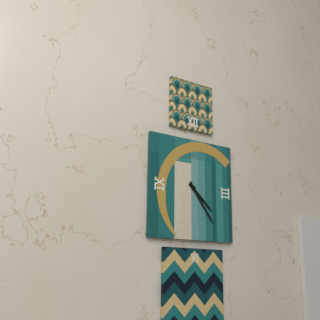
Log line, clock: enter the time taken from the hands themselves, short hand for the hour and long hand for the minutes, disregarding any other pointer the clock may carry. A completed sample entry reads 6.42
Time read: 4.24
